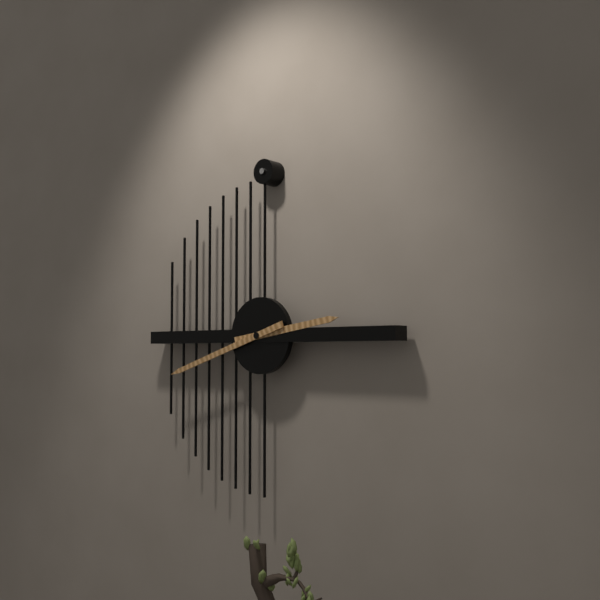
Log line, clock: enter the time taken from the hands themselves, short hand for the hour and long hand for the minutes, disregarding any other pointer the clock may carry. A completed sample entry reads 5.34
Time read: 2.42
